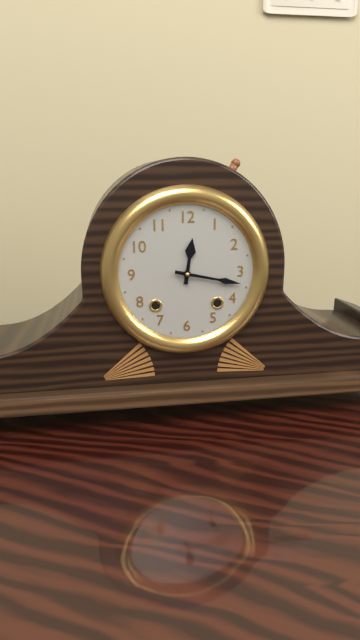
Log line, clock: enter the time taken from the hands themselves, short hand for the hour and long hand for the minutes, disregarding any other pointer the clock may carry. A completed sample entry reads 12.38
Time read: 12.17
